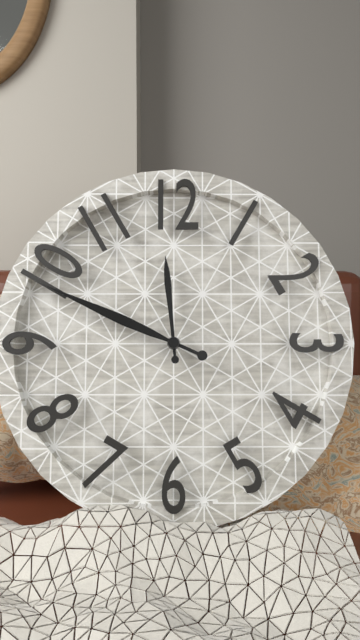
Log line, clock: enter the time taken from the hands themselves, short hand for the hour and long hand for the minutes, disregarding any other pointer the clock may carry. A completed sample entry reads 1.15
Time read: 11.49
